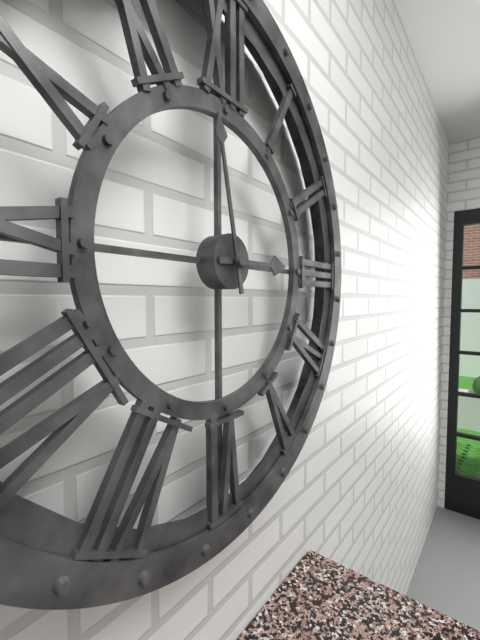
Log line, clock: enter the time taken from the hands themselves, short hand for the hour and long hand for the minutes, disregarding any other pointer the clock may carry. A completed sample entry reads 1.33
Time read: 2.58
